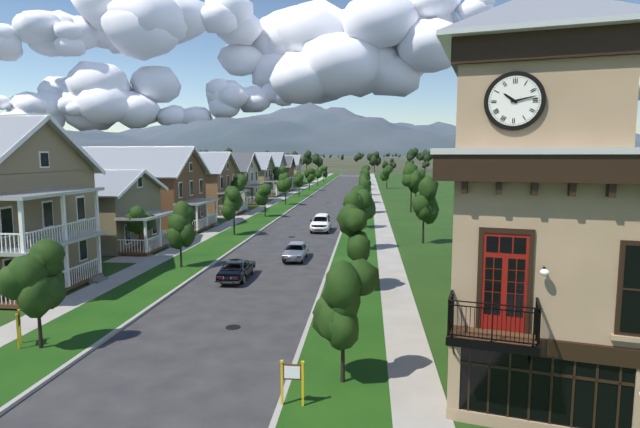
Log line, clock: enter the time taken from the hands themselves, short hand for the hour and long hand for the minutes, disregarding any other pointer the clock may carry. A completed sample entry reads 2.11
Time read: 10.13
